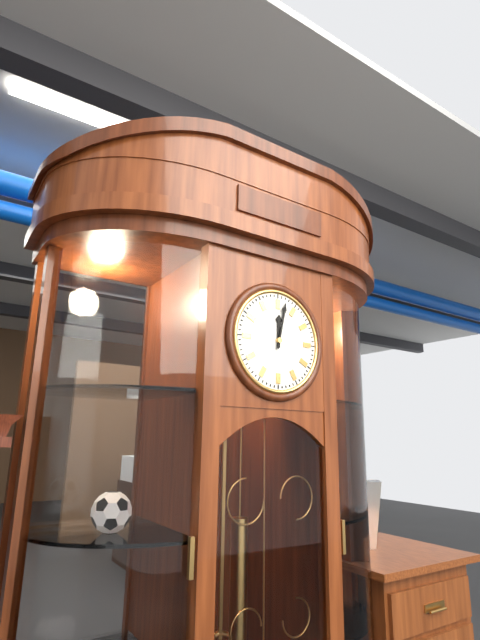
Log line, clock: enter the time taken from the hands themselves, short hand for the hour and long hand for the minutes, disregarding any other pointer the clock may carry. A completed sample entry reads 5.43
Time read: 12.02
